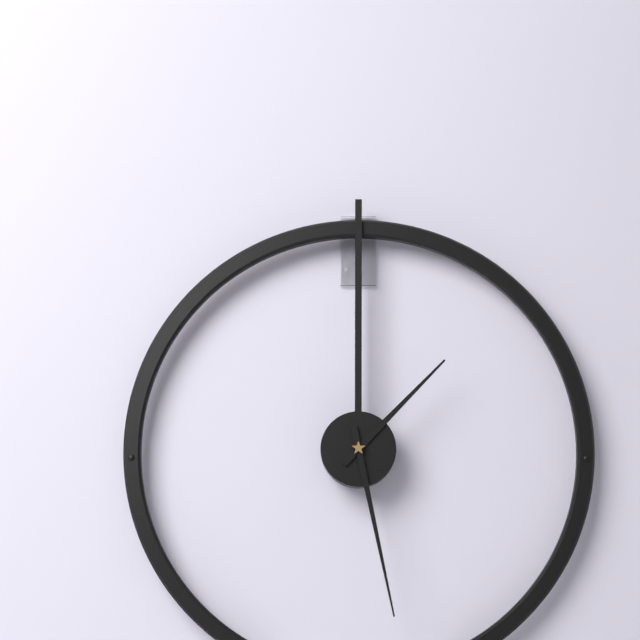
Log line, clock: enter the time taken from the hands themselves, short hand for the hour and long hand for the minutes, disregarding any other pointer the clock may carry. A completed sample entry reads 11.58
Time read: 1.28
